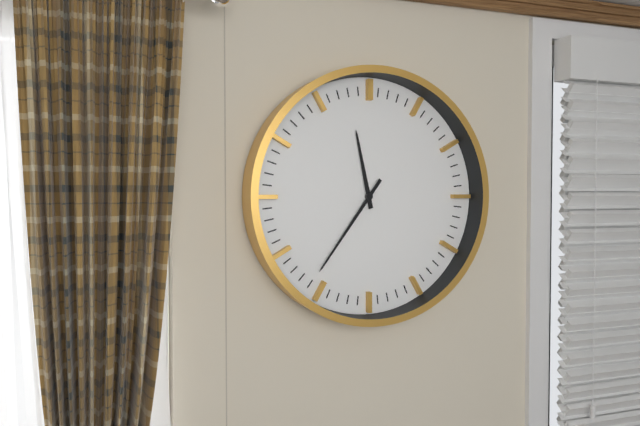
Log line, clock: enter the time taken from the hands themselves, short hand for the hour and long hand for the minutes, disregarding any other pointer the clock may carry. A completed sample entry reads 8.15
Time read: 11.36
